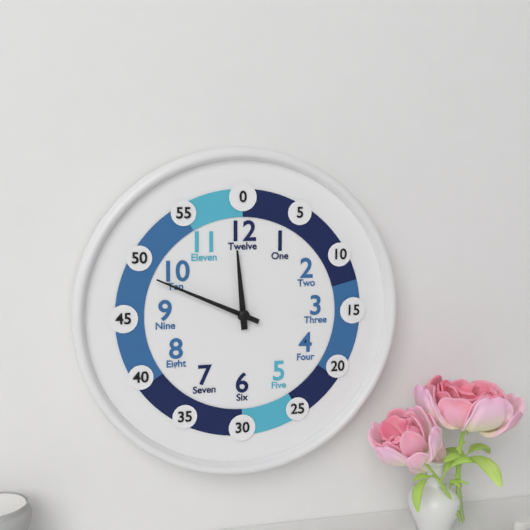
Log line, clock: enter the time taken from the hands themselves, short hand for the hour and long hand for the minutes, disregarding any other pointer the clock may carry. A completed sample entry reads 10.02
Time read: 11.49
